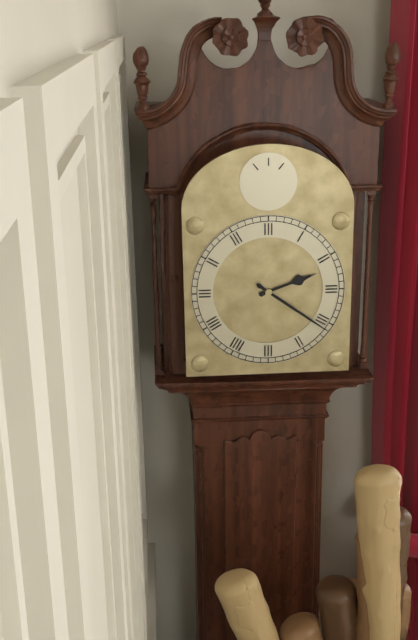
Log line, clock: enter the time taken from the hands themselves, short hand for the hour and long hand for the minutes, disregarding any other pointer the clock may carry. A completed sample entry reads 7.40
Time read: 2.21
